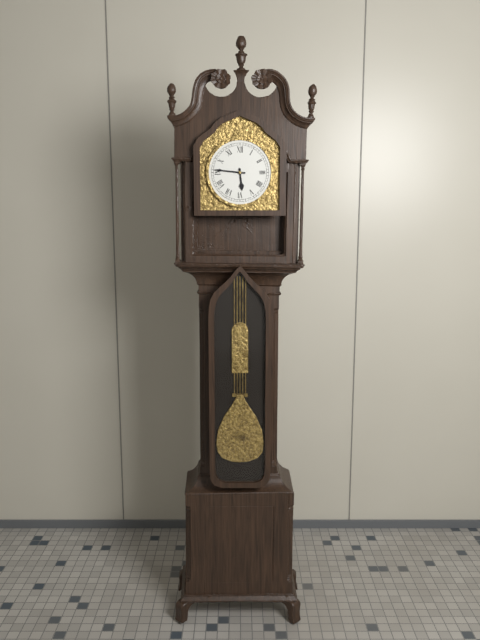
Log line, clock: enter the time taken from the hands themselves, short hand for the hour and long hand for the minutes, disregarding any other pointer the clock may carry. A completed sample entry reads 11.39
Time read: 5.46
